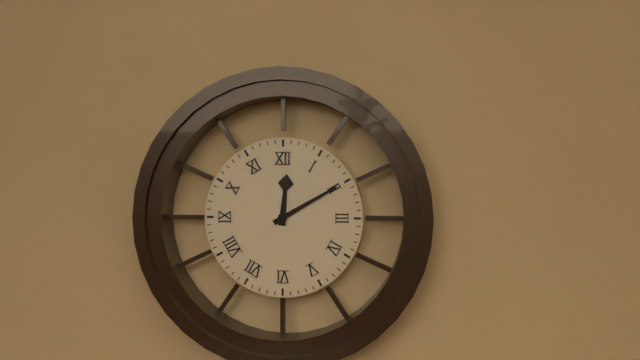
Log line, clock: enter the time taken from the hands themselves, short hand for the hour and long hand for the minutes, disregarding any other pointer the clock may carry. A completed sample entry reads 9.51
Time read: 12.10
